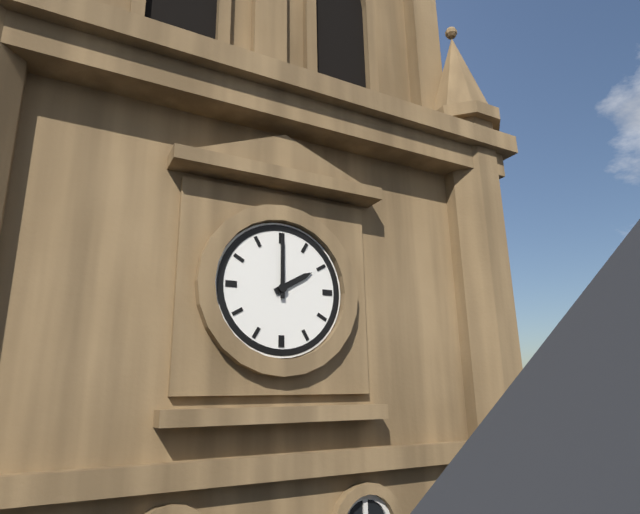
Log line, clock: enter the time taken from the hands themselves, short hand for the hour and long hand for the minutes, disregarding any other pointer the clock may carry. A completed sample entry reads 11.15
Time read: 2.00
